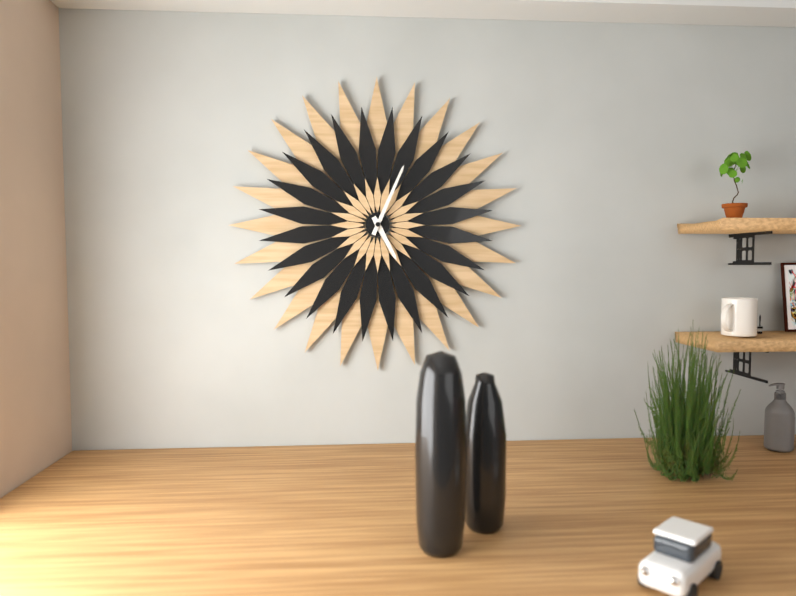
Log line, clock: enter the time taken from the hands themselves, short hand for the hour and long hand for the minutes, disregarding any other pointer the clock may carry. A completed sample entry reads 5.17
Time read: 5.04
